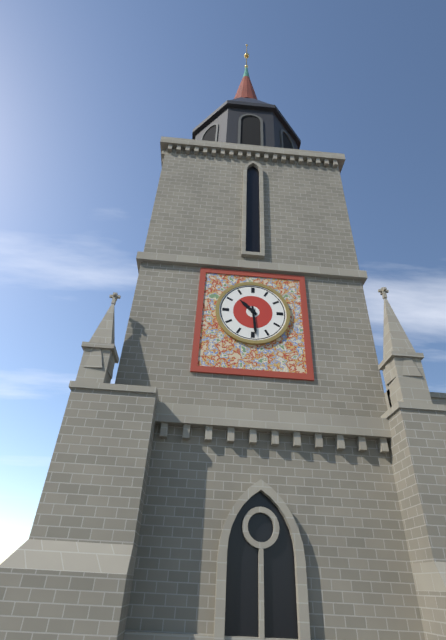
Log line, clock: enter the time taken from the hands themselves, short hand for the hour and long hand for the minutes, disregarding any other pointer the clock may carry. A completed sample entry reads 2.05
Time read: 10.29
